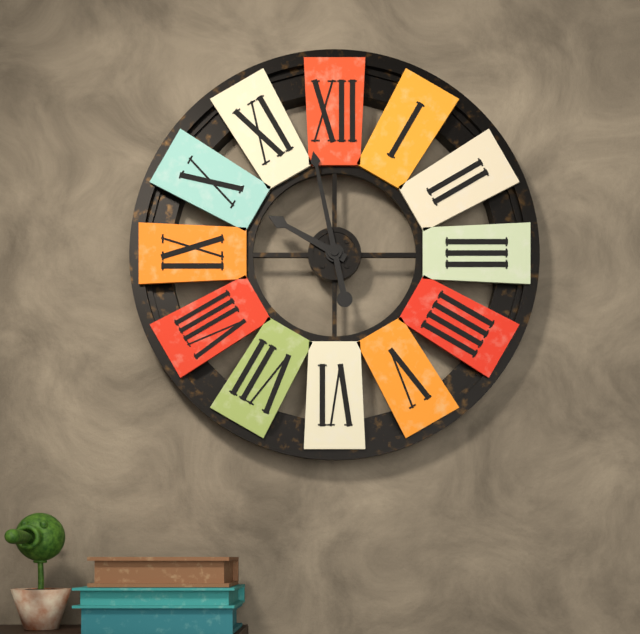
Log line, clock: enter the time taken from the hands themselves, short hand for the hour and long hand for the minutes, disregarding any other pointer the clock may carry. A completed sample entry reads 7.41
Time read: 9.58
